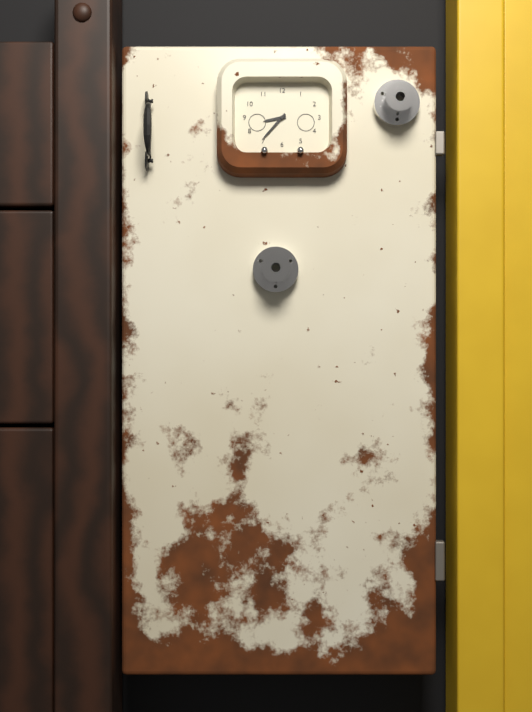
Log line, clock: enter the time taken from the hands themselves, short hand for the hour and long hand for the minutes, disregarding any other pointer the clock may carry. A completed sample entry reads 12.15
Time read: 8.37
